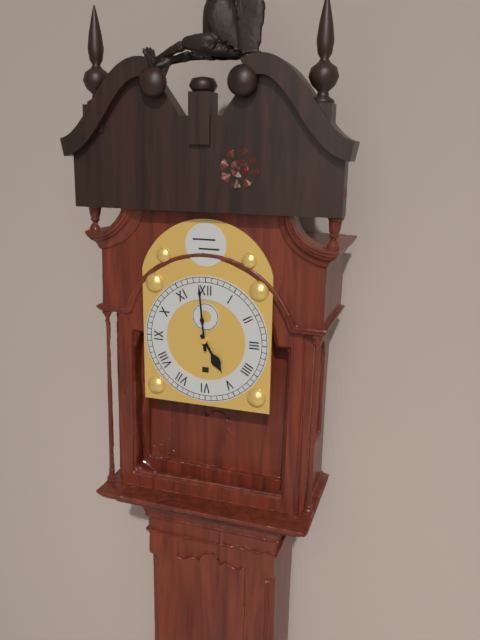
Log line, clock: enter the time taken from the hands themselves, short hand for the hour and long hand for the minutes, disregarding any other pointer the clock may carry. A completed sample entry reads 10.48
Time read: 4.59
